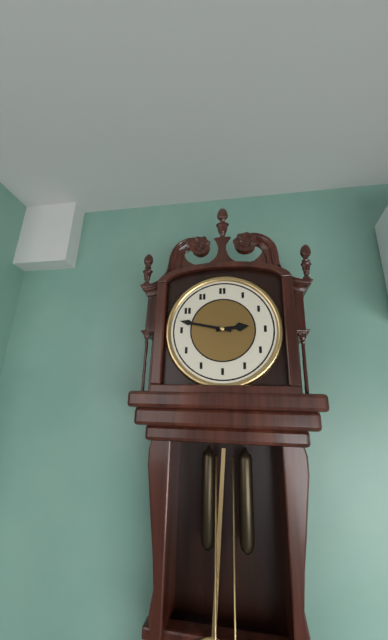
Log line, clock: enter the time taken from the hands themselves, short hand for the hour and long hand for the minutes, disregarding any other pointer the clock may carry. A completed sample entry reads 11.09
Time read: 2.47
